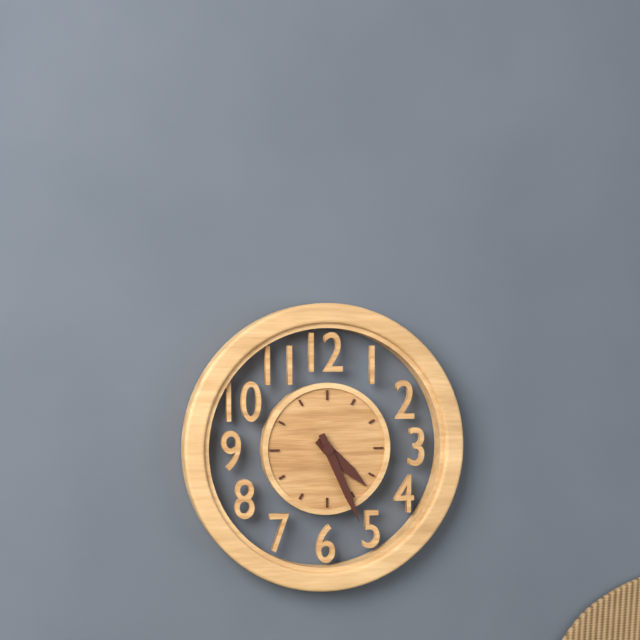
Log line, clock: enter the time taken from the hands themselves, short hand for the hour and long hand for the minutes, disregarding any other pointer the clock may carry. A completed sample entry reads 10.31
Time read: 4.26
